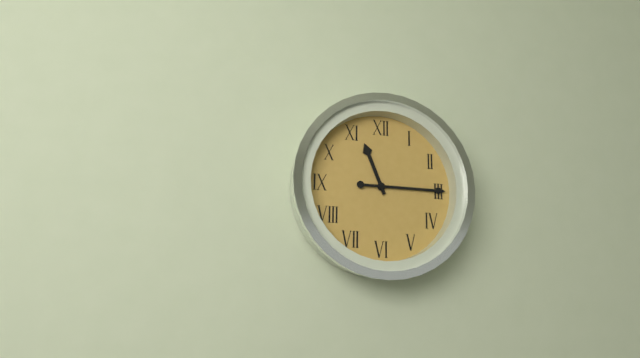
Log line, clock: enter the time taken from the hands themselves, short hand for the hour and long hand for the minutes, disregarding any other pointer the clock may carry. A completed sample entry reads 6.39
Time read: 11.15
